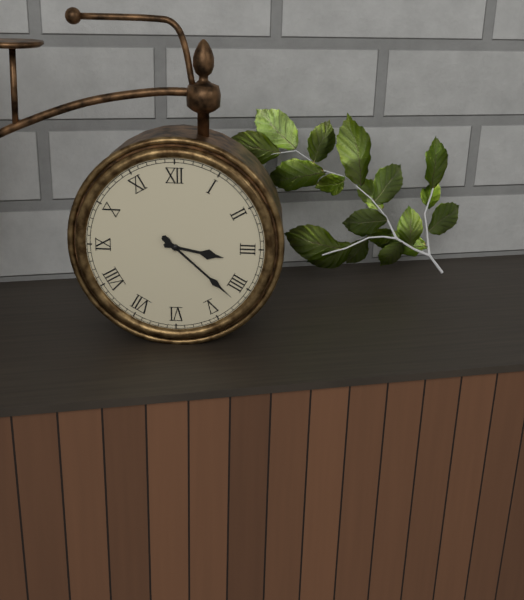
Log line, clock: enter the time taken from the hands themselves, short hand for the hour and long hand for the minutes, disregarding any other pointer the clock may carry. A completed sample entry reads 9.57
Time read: 3.22
